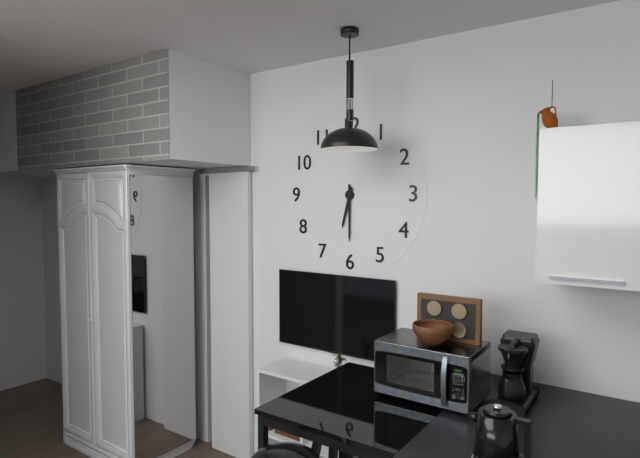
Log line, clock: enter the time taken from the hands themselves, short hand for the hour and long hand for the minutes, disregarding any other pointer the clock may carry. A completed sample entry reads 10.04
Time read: 6.30
